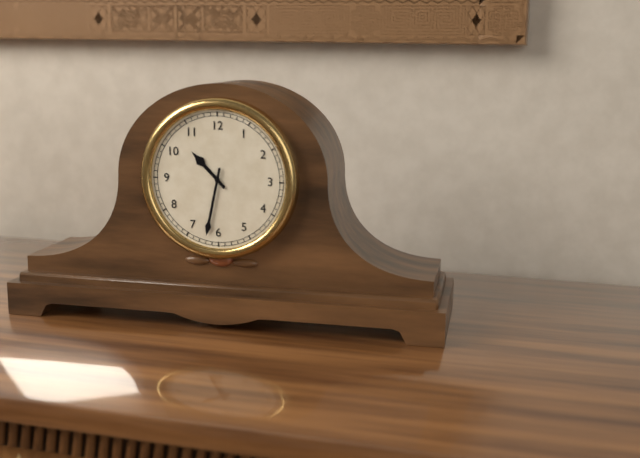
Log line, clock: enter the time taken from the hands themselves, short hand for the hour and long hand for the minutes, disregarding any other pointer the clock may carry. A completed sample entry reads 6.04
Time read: 10.32
